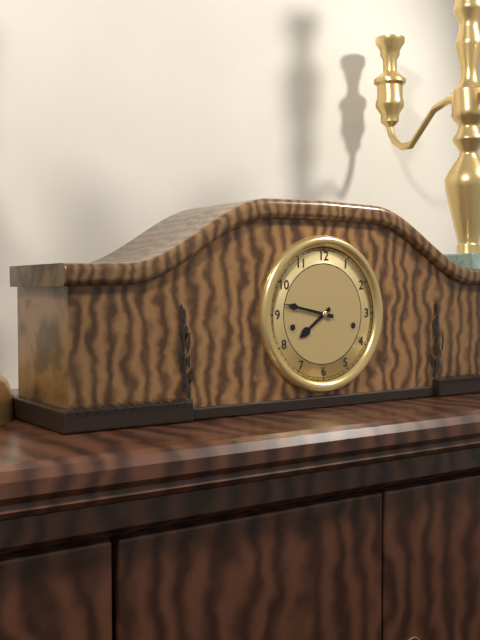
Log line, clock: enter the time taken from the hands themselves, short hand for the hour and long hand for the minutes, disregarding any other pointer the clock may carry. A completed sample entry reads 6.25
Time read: 7.47
